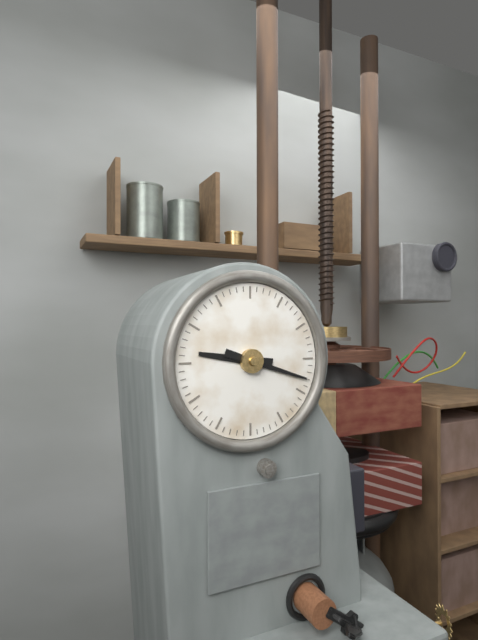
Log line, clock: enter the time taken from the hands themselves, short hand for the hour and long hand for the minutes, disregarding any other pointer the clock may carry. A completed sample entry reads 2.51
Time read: 9.18
